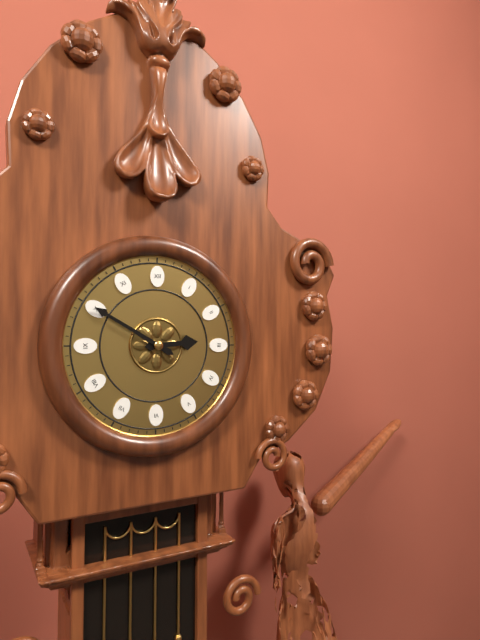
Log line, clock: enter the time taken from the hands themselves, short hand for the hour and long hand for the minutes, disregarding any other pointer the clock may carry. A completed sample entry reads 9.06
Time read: 2.50
